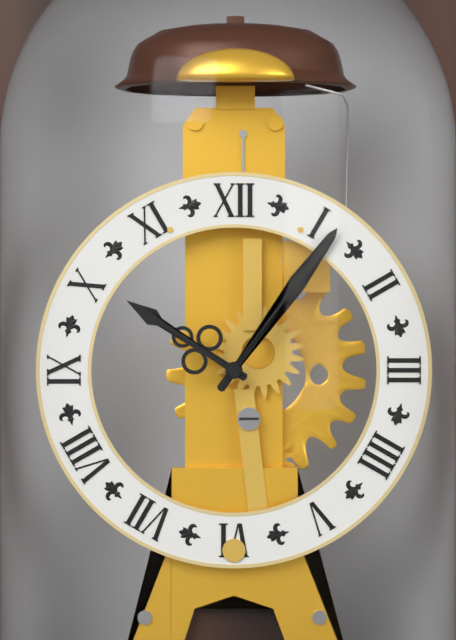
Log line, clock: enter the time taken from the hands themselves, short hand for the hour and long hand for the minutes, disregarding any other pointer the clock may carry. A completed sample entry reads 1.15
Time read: 10.06
